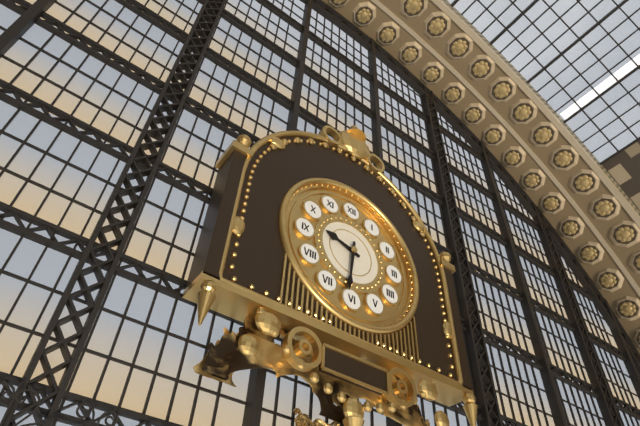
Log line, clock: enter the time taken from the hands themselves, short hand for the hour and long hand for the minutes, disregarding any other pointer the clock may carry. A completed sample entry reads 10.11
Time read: 9.31
